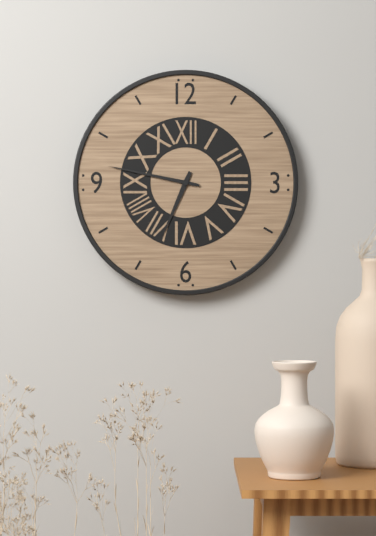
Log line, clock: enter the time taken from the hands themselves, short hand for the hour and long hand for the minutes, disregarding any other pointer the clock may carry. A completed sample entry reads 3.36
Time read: 6.47
